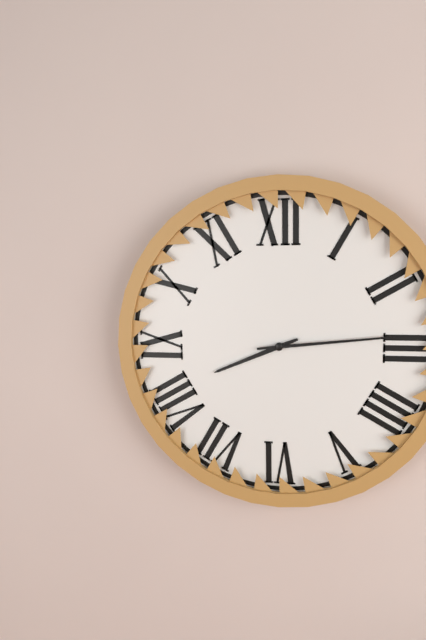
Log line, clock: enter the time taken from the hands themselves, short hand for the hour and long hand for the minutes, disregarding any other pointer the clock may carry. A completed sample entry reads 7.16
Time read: 8.14
